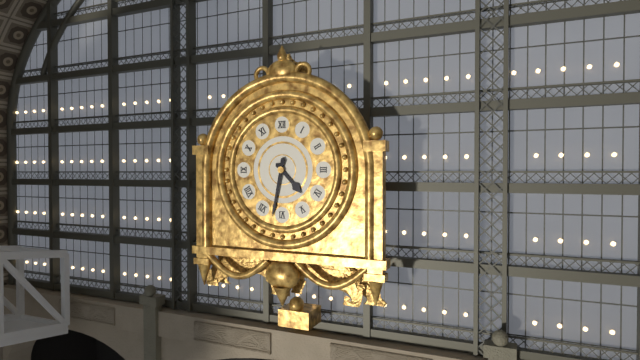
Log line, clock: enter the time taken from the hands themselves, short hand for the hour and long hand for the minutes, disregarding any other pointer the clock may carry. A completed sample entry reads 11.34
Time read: 4.32
